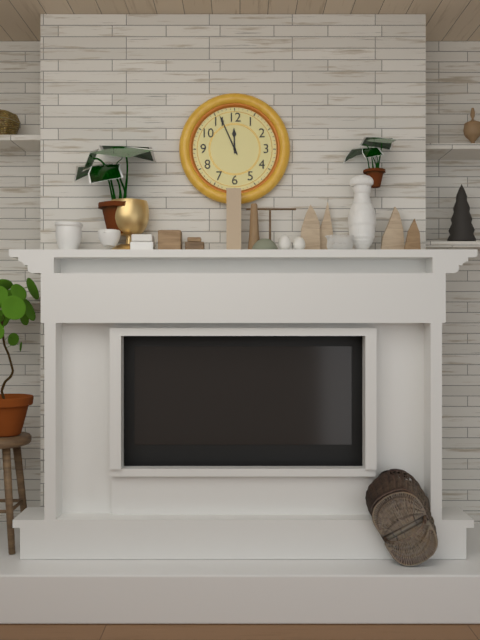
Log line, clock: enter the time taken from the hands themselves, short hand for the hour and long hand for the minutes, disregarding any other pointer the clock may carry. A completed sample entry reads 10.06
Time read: 11.56
